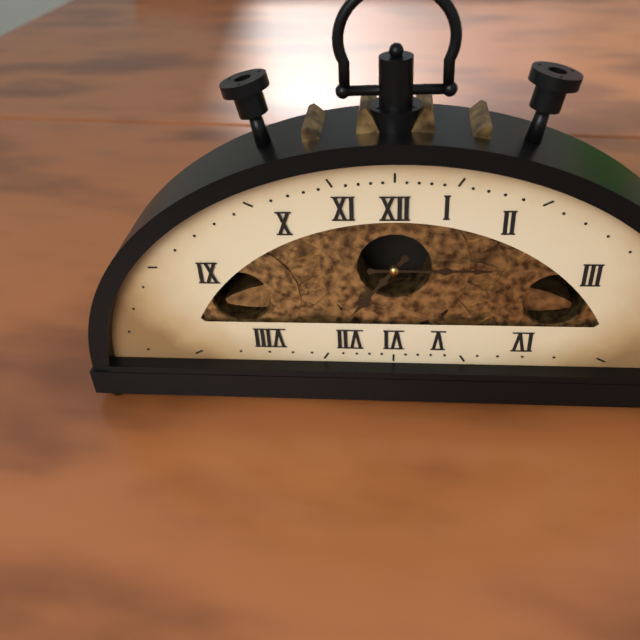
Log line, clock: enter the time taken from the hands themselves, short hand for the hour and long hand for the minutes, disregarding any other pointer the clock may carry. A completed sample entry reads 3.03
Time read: 7.15
